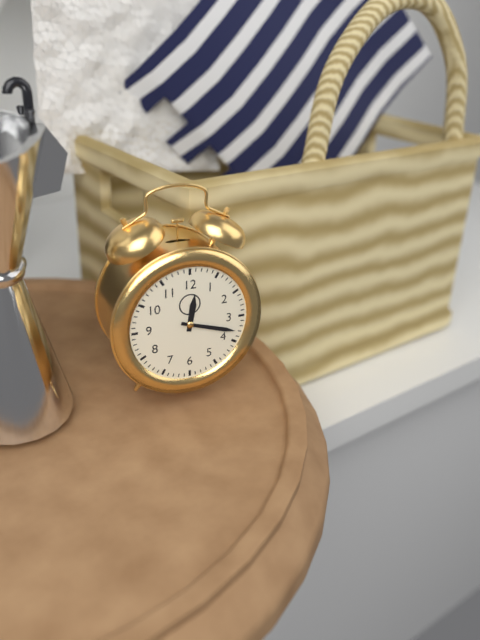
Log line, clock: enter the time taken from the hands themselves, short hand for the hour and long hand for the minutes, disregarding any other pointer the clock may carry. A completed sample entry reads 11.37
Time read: 12.18
